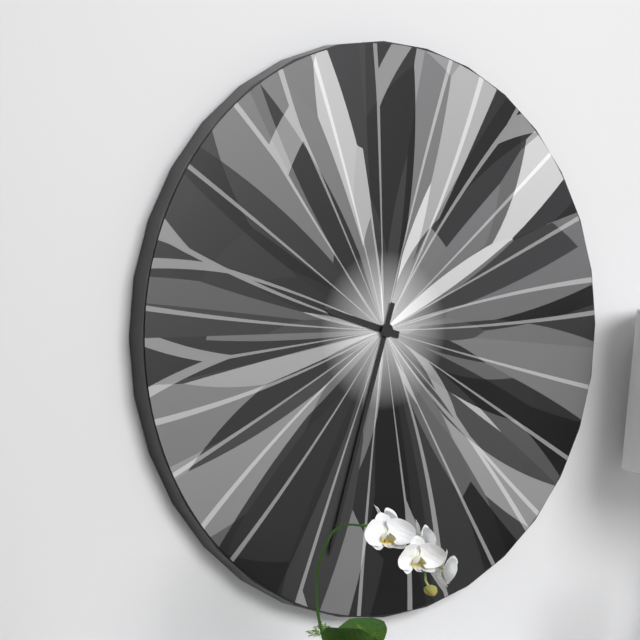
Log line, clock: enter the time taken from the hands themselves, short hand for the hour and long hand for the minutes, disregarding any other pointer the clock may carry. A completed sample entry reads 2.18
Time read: 9.33
